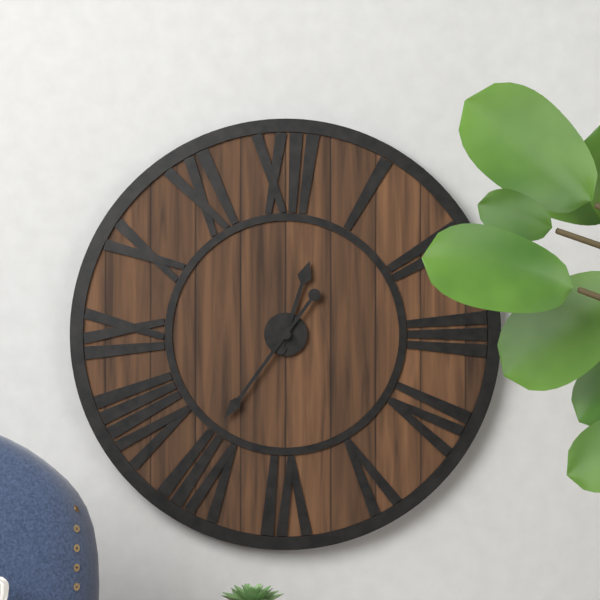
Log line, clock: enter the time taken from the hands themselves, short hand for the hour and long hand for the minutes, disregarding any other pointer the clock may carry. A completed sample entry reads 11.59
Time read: 12.36
